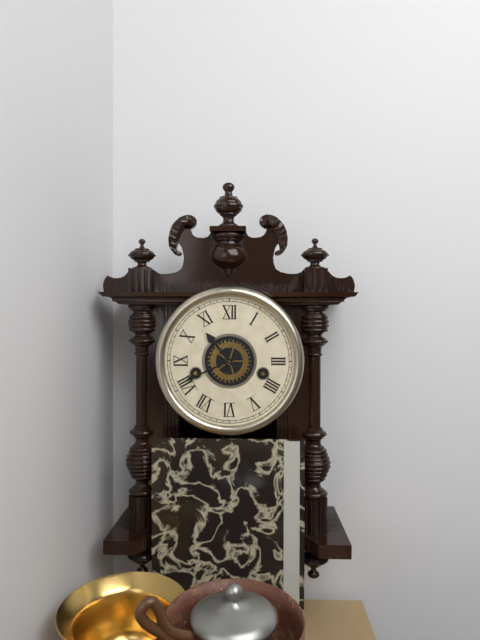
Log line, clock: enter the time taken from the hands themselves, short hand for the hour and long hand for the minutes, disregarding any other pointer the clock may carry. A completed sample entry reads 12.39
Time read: 10.41
